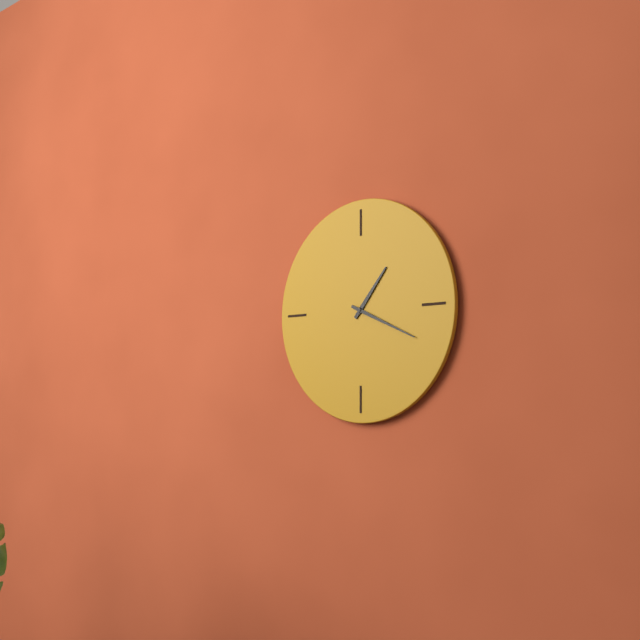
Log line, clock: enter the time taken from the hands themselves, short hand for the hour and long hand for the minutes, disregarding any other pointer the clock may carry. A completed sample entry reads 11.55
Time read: 1.19
